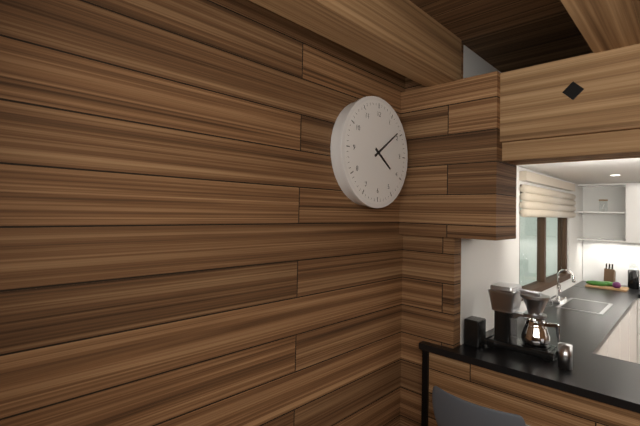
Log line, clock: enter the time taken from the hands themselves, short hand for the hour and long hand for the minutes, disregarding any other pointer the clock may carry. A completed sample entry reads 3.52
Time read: 4.09
